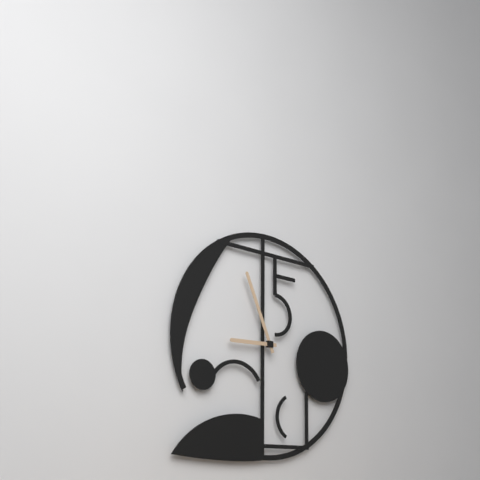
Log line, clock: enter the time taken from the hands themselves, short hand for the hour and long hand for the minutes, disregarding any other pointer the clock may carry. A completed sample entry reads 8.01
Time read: 8.56
